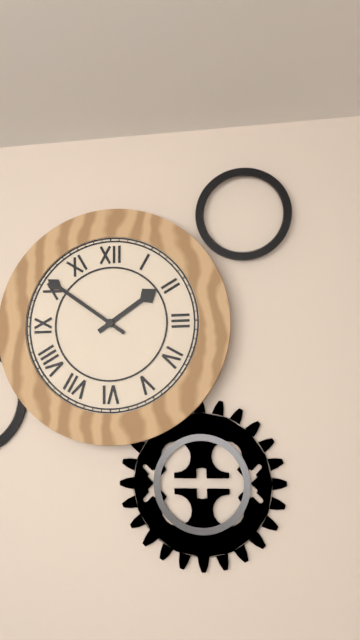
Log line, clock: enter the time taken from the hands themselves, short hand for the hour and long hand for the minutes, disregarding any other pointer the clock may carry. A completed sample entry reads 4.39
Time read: 1.51
